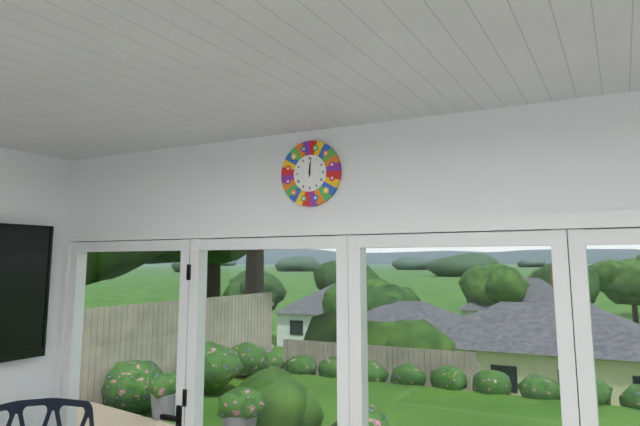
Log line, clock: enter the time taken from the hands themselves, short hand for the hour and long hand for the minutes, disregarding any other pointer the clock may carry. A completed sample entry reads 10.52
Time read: 12.01
